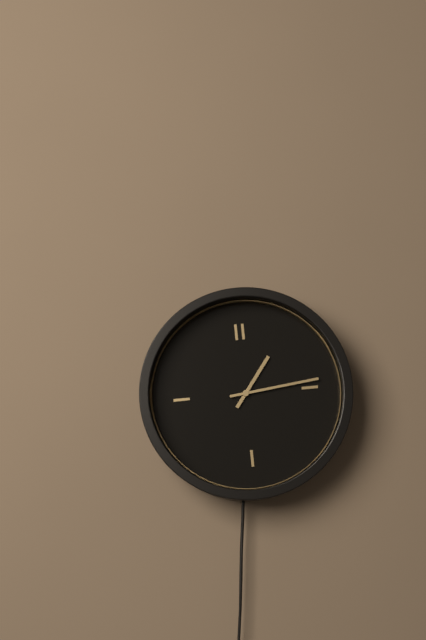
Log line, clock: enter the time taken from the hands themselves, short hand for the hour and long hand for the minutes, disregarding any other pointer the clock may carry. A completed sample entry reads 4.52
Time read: 1.14
